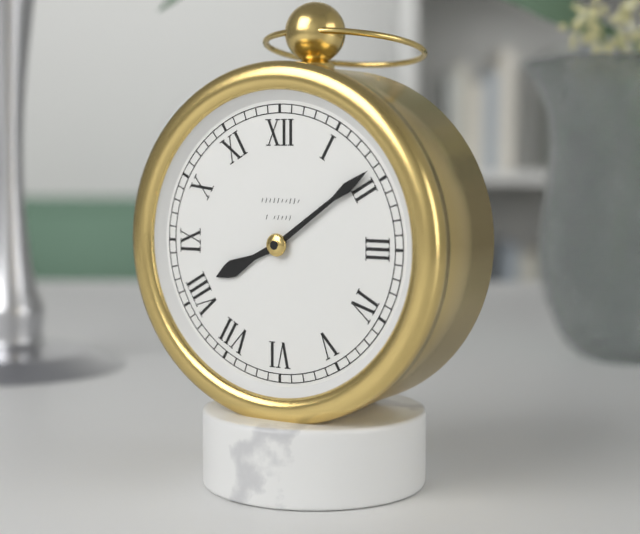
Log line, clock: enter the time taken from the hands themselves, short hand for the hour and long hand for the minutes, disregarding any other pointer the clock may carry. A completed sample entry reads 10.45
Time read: 8.09
